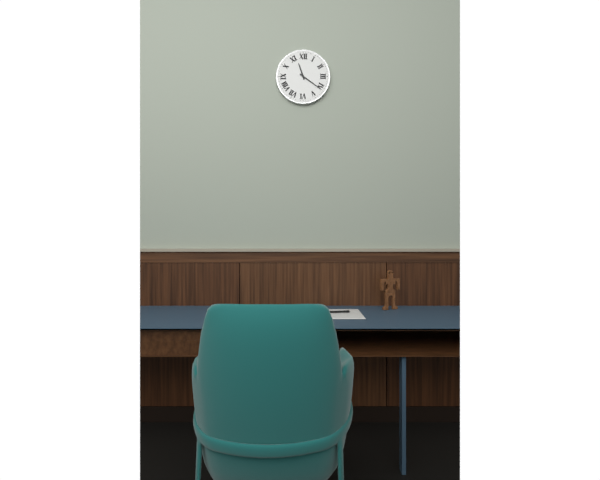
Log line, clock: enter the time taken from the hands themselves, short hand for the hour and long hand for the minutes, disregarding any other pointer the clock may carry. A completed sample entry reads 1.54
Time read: 11.21
